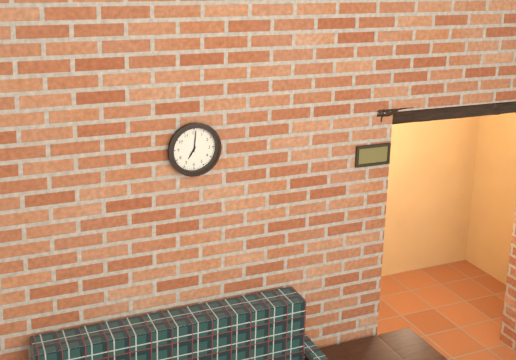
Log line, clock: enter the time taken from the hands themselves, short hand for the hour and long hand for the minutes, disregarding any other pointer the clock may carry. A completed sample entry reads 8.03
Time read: 7.01
